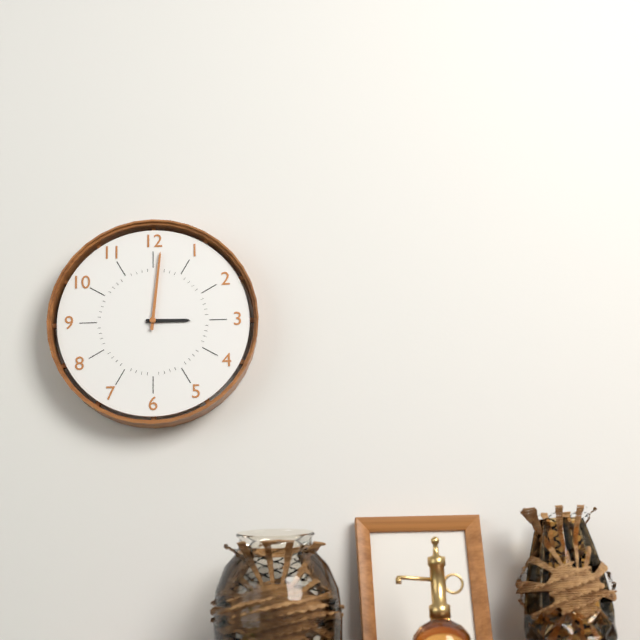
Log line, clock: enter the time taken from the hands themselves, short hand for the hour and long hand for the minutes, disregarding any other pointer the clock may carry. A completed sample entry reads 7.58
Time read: 3.01
